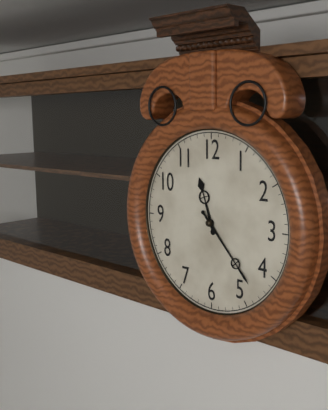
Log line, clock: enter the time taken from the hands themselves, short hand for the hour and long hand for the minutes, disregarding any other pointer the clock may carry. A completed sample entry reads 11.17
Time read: 11.23
